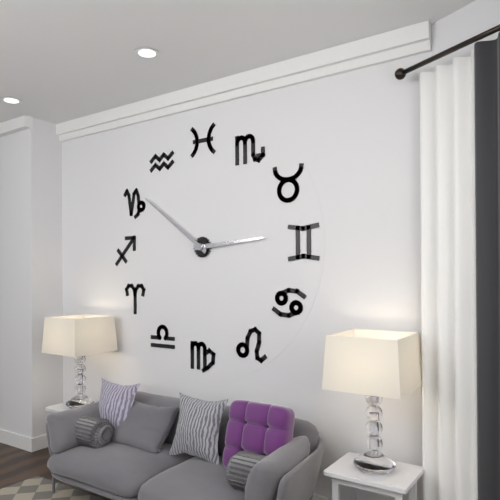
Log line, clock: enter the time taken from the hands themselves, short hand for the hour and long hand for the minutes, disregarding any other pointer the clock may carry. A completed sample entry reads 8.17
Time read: 2.51
